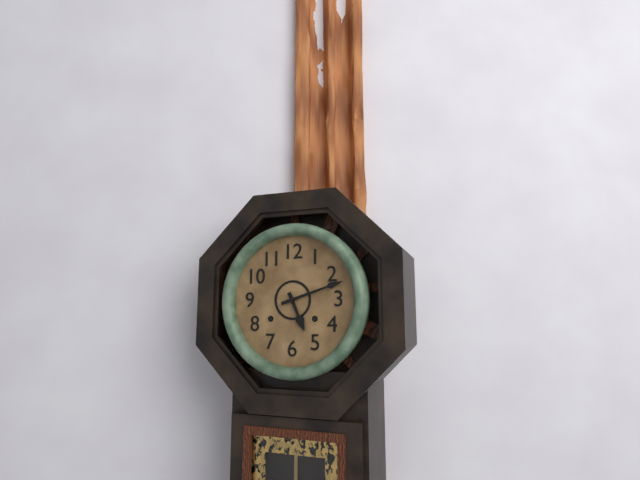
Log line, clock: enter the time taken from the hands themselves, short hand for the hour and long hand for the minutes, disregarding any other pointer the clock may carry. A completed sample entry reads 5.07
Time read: 5.12
